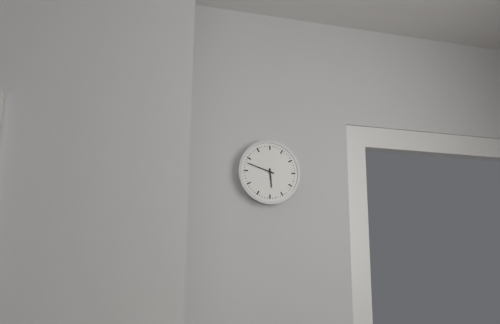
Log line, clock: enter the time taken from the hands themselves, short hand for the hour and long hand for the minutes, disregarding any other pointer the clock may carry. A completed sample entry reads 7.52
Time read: 5.48
